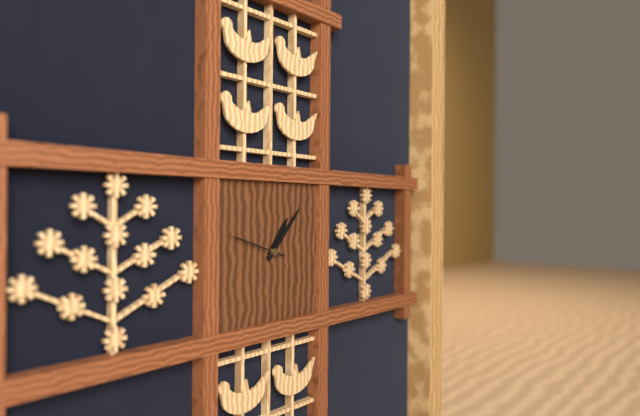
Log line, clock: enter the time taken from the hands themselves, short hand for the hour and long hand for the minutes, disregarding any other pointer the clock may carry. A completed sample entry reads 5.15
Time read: 1.07
